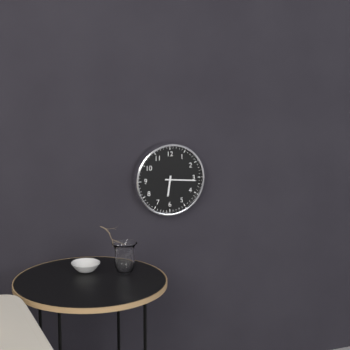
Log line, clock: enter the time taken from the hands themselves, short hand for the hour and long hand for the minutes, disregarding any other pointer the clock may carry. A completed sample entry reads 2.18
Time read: 6.16
